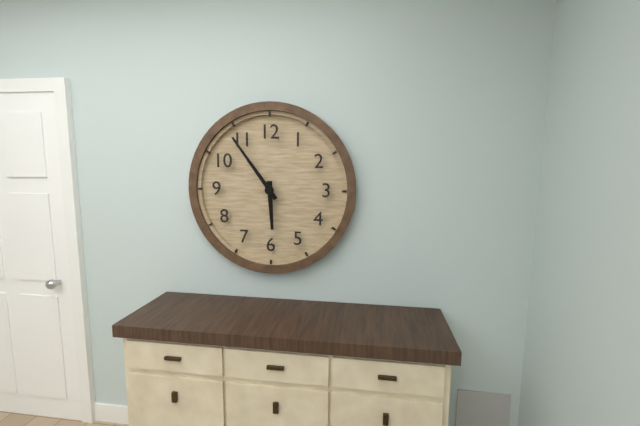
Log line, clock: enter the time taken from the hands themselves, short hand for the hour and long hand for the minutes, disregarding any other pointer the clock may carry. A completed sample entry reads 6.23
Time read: 5.54
